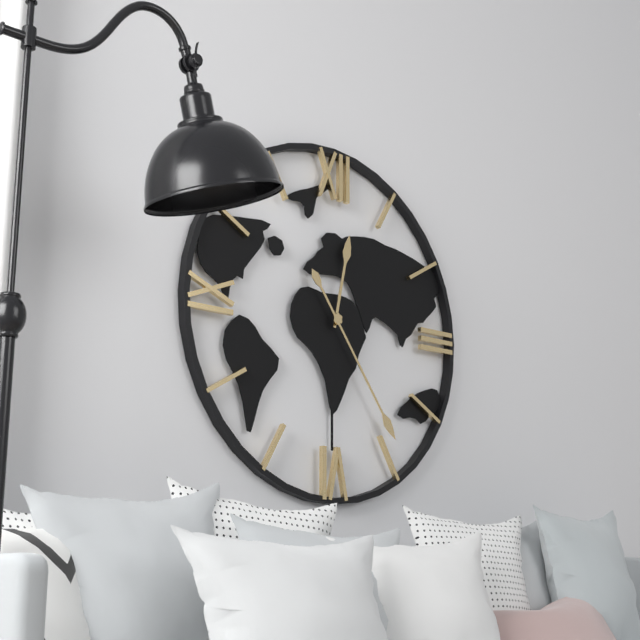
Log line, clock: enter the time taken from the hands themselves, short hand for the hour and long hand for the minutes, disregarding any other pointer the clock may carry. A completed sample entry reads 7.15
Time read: 12.24
